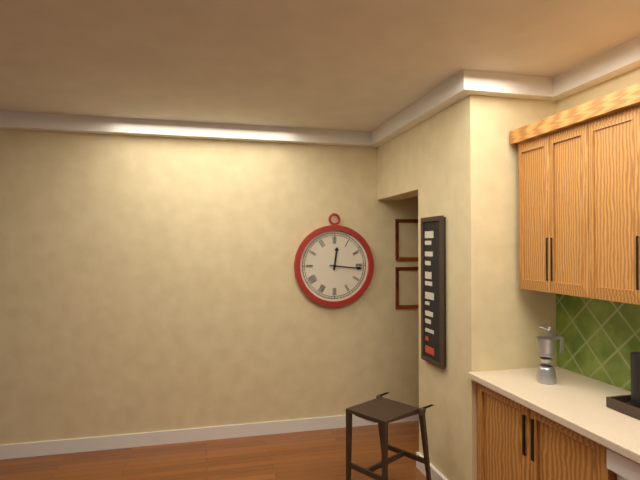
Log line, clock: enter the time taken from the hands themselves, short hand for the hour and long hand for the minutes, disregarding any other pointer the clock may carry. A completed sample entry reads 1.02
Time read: 12.16
